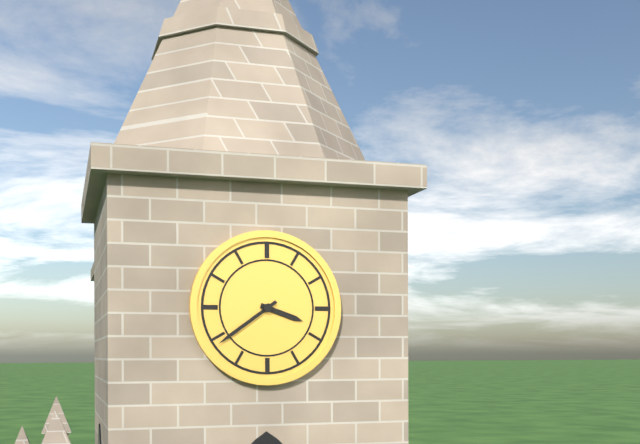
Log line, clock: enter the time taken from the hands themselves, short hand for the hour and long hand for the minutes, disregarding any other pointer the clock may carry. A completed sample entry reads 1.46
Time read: 3.39
